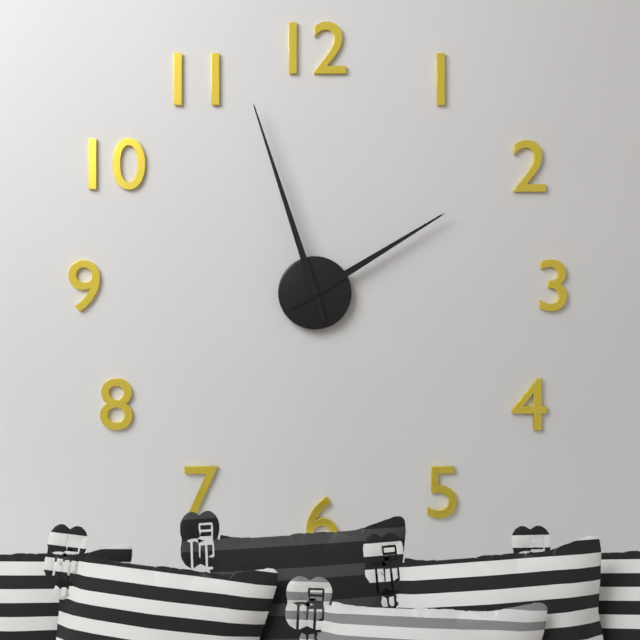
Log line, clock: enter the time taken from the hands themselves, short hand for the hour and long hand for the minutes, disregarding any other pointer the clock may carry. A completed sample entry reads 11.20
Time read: 1.57
